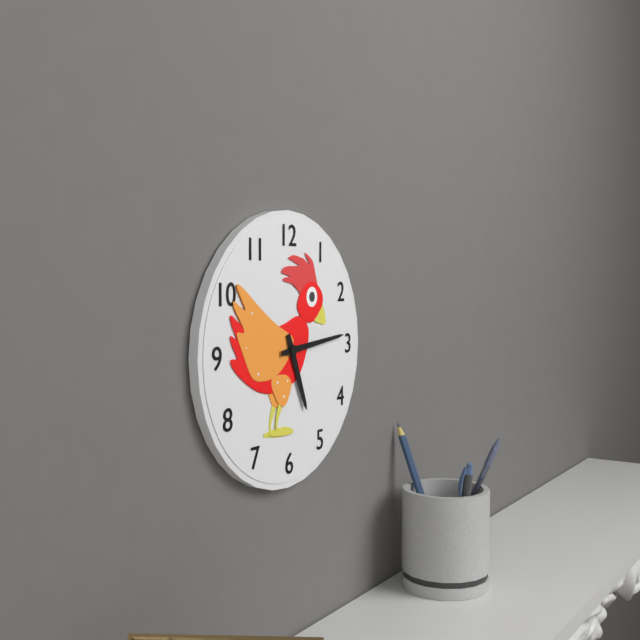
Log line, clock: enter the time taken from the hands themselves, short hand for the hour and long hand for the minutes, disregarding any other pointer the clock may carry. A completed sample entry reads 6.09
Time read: 5.14
